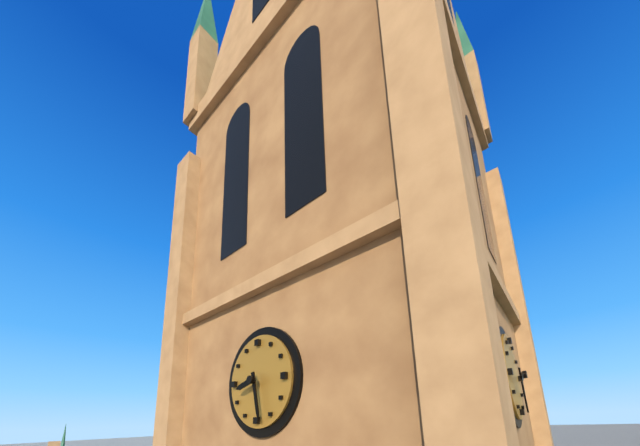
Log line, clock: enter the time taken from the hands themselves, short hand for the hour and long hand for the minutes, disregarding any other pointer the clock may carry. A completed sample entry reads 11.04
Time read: 8.28
